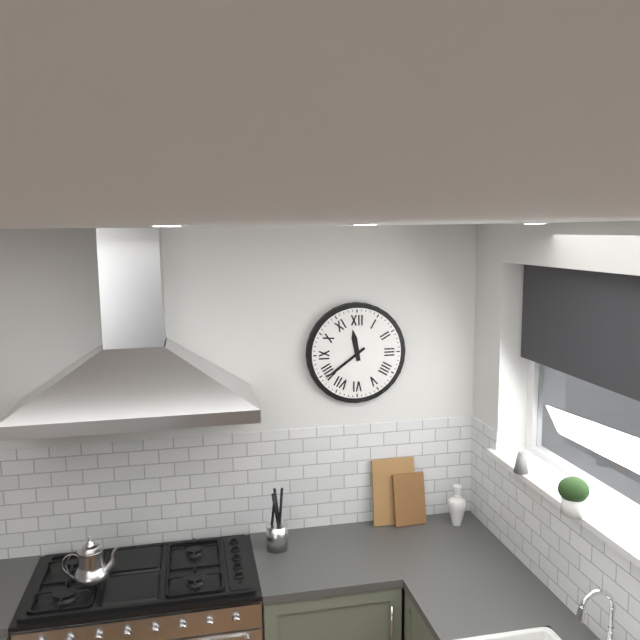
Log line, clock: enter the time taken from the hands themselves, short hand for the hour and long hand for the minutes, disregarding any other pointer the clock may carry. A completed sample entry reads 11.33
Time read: 11.39
